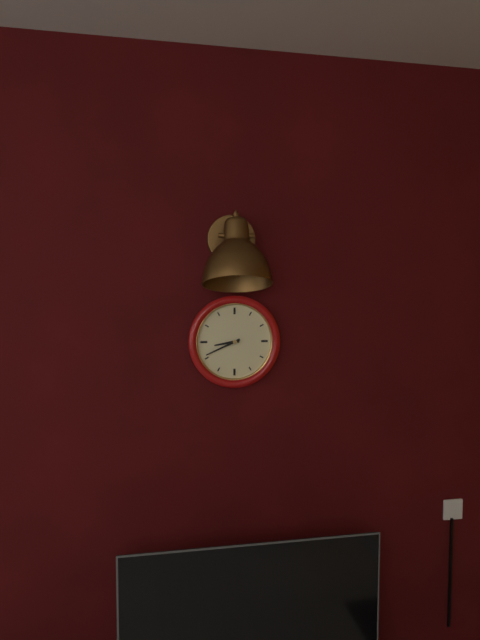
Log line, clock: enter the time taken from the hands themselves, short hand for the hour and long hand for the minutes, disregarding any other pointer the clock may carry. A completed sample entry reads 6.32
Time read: 8.41
